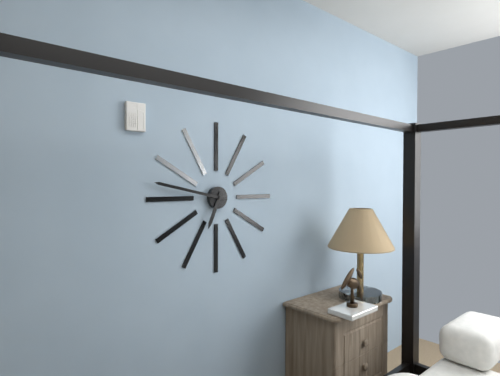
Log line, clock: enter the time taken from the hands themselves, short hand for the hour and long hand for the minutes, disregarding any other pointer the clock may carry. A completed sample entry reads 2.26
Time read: 6.47
